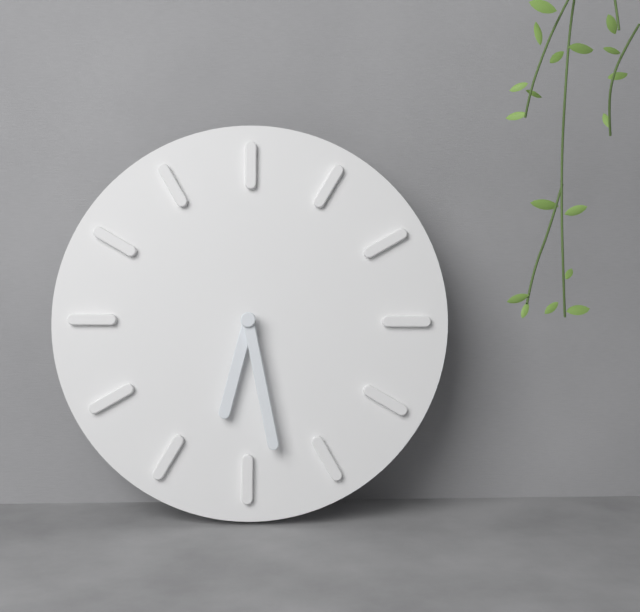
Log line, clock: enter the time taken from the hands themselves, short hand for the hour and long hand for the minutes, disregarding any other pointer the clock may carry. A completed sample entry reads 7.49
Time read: 6.28
